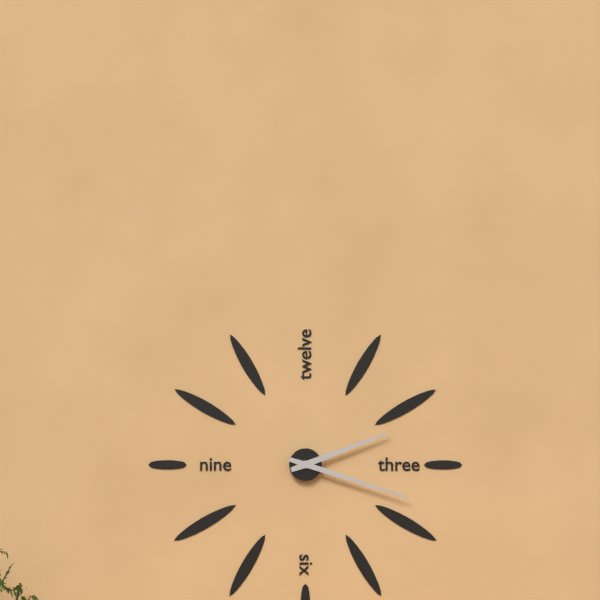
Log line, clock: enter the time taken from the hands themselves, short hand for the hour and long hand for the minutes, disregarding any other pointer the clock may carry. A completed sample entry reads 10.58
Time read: 2.18
